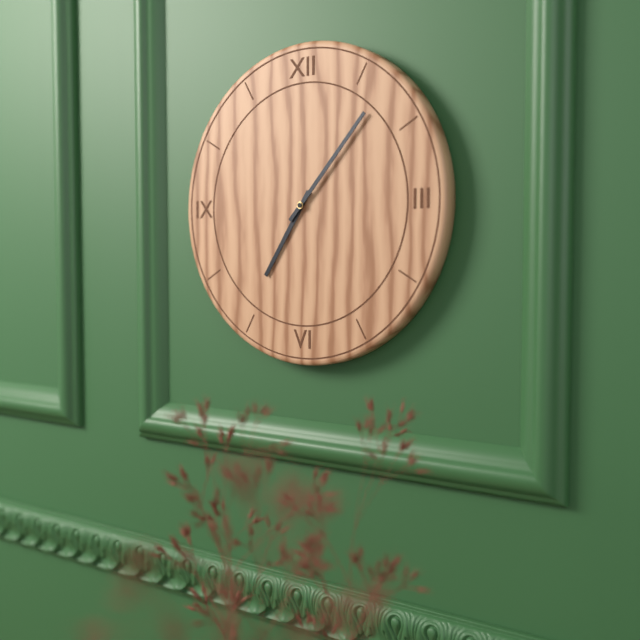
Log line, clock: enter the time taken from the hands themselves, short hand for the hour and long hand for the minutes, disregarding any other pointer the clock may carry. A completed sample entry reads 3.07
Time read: 7.07
